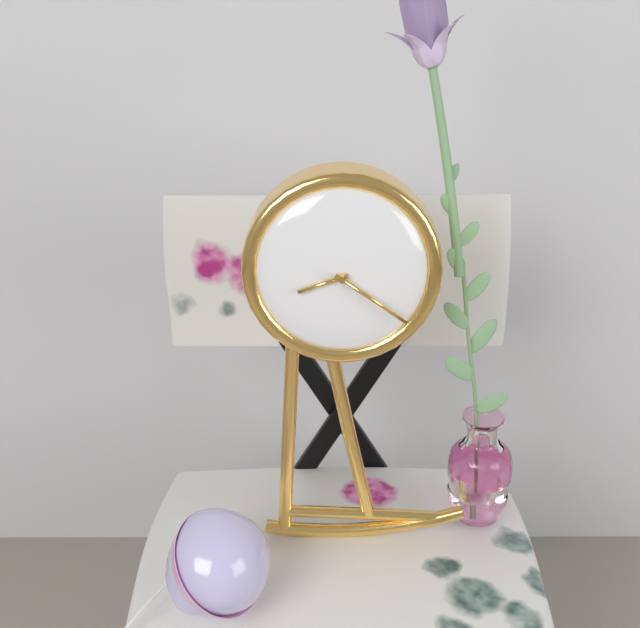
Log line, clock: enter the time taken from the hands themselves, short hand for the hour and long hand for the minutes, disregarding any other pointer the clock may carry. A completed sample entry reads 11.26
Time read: 8.21
